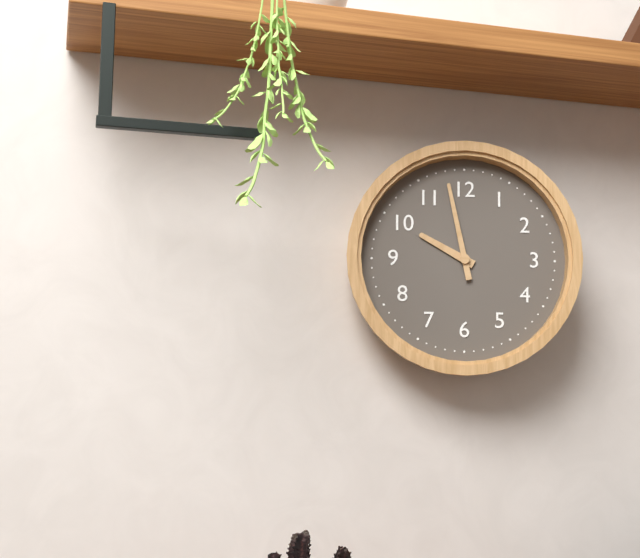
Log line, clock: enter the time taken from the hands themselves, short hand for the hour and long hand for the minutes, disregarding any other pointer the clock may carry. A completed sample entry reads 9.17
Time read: 9.58
